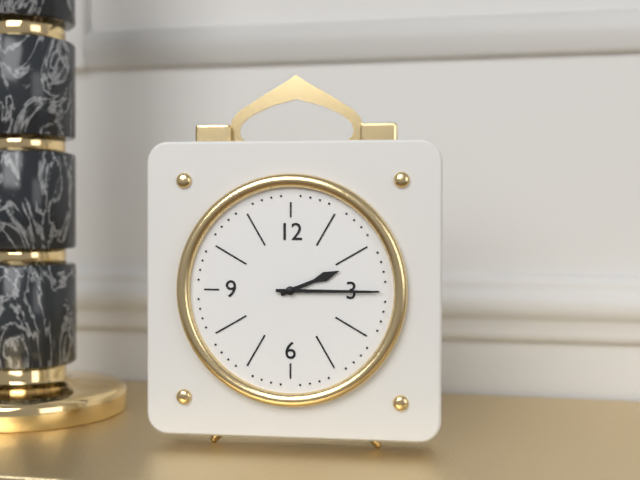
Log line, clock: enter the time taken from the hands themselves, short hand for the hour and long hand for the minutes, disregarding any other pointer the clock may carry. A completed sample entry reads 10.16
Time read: 2.15
